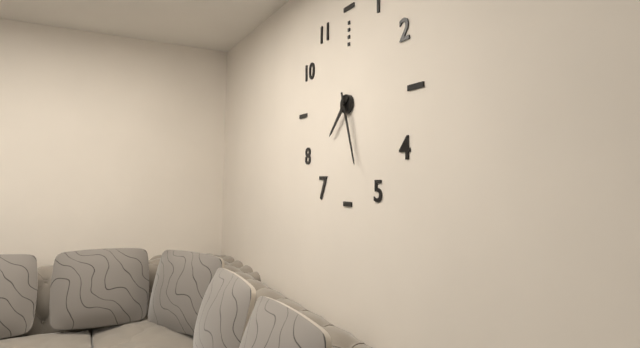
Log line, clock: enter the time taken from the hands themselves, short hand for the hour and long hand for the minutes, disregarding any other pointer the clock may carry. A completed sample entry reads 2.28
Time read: 7.27
